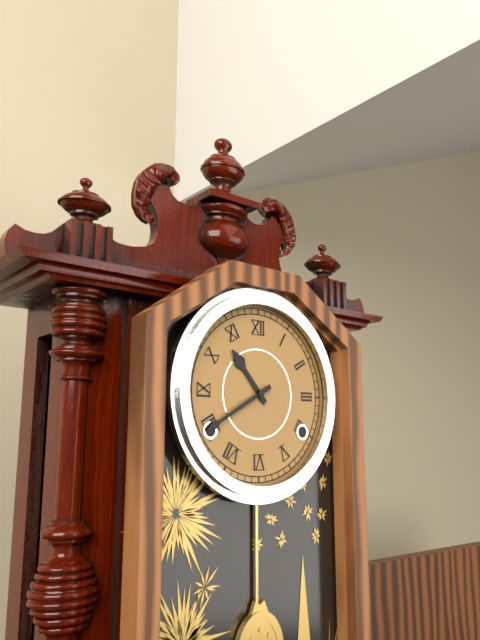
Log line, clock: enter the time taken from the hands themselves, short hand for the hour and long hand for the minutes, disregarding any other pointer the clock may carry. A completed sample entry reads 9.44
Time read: 10.40
